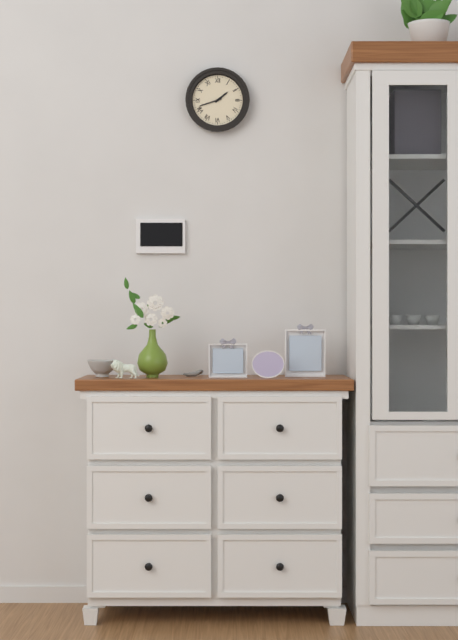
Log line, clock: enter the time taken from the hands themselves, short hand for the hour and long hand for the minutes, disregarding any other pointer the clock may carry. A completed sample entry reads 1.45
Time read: 1.42
